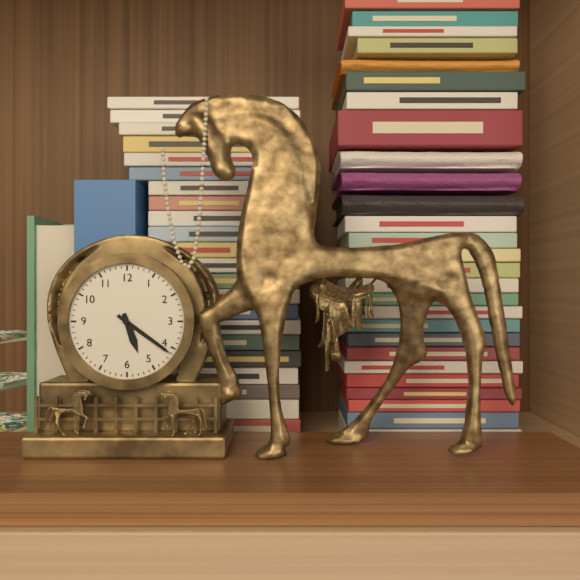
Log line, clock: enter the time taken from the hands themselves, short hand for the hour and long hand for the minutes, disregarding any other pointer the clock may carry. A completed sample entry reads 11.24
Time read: 5.21
